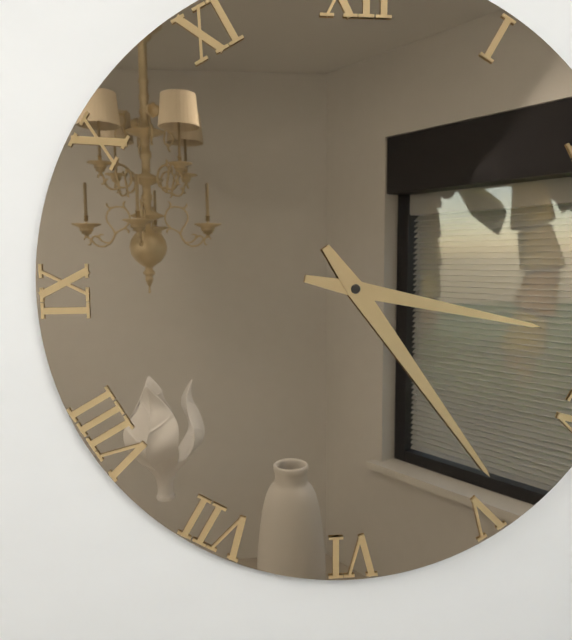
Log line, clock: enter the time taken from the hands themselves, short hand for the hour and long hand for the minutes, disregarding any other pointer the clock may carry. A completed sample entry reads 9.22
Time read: 3.24
